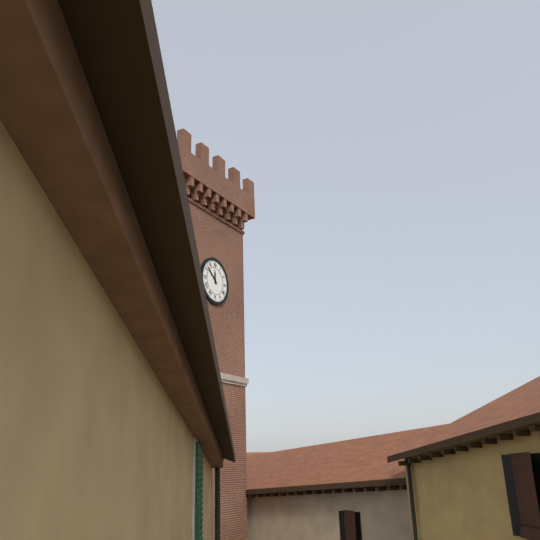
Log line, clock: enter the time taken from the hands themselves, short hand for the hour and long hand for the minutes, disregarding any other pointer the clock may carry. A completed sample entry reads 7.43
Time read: 11.52
